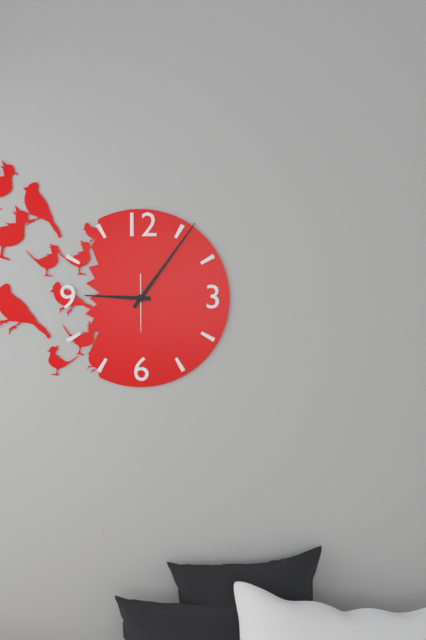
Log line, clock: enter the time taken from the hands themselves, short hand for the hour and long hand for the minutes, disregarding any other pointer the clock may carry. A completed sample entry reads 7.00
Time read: 9.06
